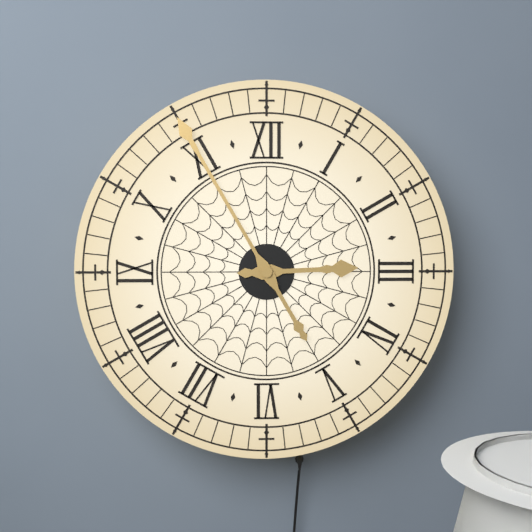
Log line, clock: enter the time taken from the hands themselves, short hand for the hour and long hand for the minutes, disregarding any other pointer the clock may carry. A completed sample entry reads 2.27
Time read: 2.55
